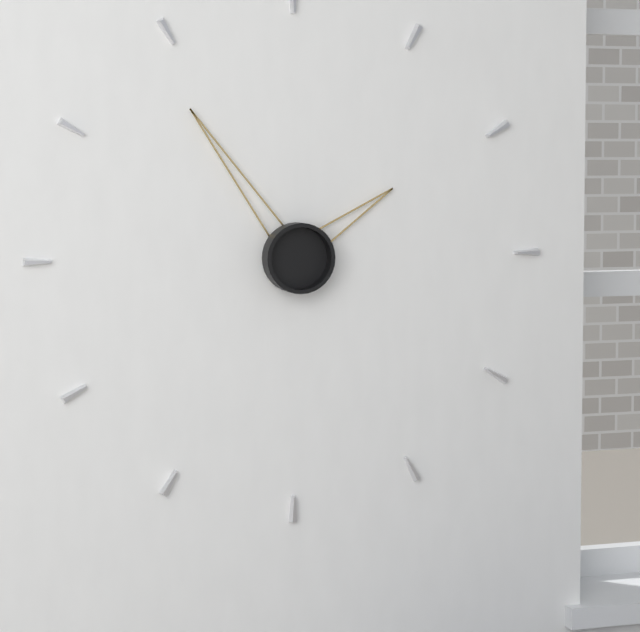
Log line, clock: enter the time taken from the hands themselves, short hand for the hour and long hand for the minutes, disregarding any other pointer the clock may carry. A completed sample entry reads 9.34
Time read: 1.54
